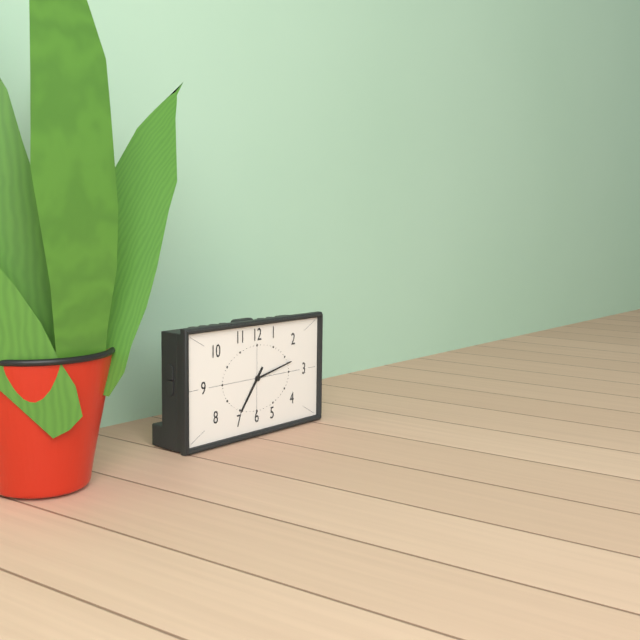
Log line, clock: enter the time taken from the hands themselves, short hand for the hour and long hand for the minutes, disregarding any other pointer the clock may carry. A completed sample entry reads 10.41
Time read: 7.13
